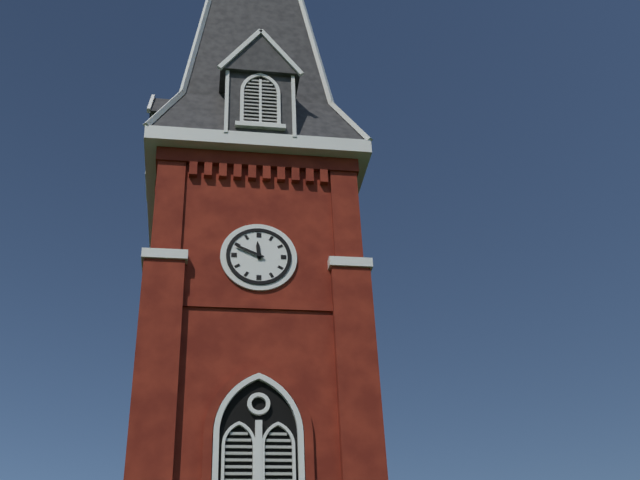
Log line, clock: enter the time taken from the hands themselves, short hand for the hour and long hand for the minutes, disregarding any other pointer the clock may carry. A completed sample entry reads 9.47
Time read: 11.49
